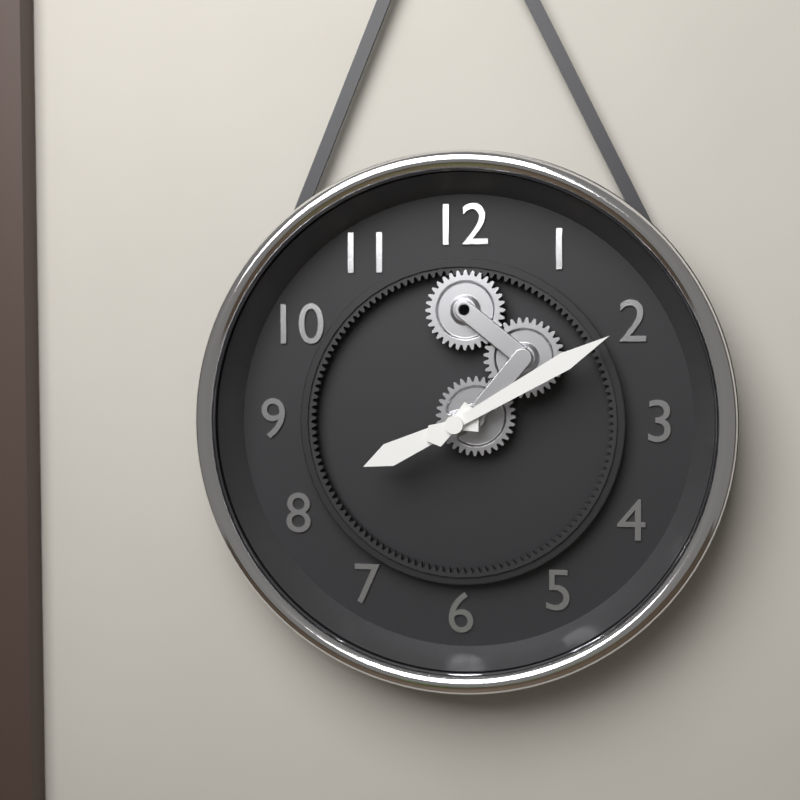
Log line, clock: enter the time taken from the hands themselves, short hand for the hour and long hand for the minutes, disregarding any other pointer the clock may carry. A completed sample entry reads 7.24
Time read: 8.10
